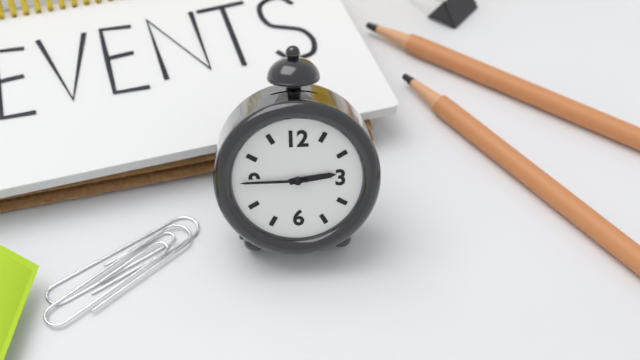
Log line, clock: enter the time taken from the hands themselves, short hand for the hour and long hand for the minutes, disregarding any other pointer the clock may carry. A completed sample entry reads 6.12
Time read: 2.45
